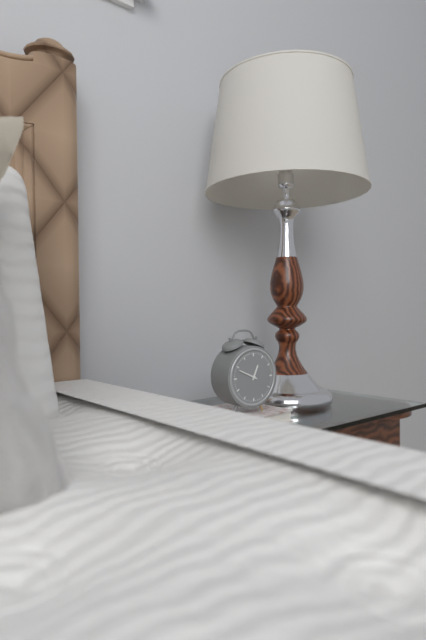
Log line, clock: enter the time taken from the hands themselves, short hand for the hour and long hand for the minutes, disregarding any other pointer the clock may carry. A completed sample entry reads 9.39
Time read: 12.49
